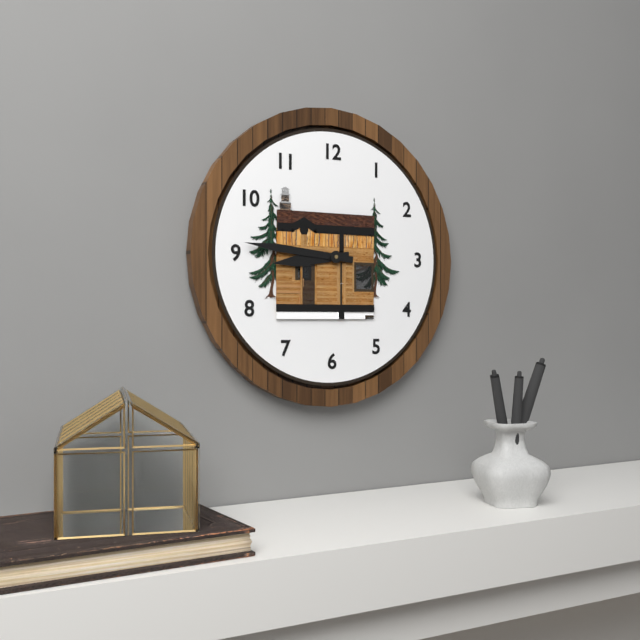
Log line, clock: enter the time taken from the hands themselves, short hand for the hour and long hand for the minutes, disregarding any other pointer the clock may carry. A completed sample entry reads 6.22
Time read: 8.46
